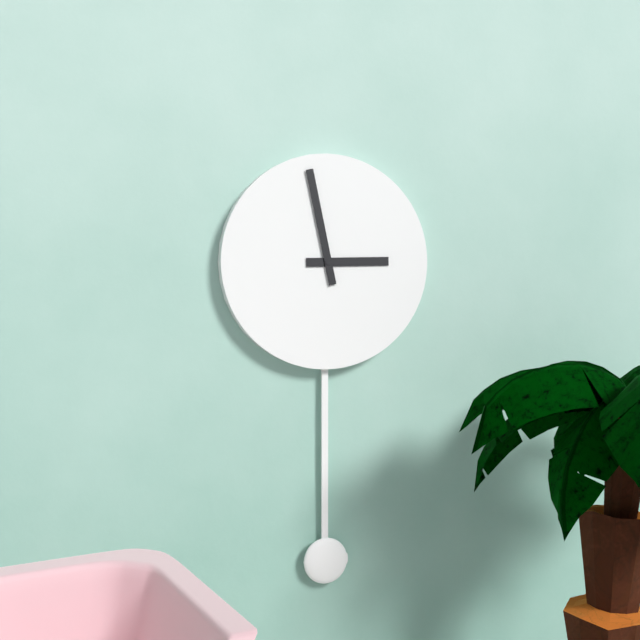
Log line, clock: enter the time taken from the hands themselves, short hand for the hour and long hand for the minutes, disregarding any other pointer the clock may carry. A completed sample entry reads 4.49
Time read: 2.58
